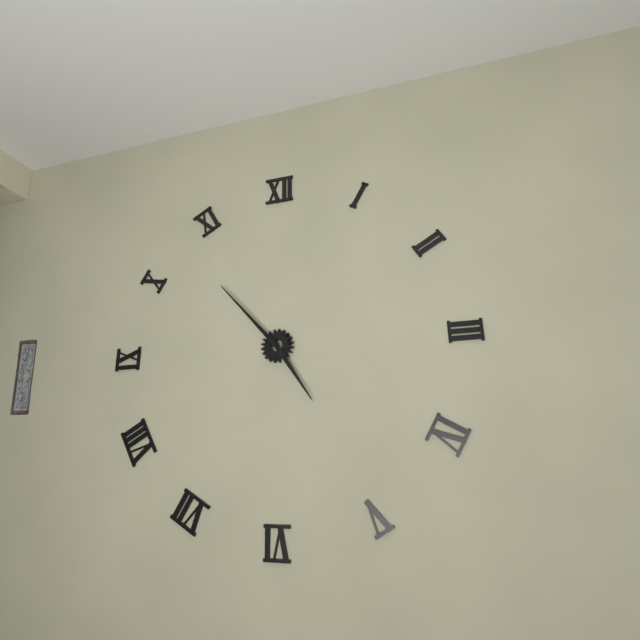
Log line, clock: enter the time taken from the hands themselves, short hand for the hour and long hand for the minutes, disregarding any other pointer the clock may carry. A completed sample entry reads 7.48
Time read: 4.53
